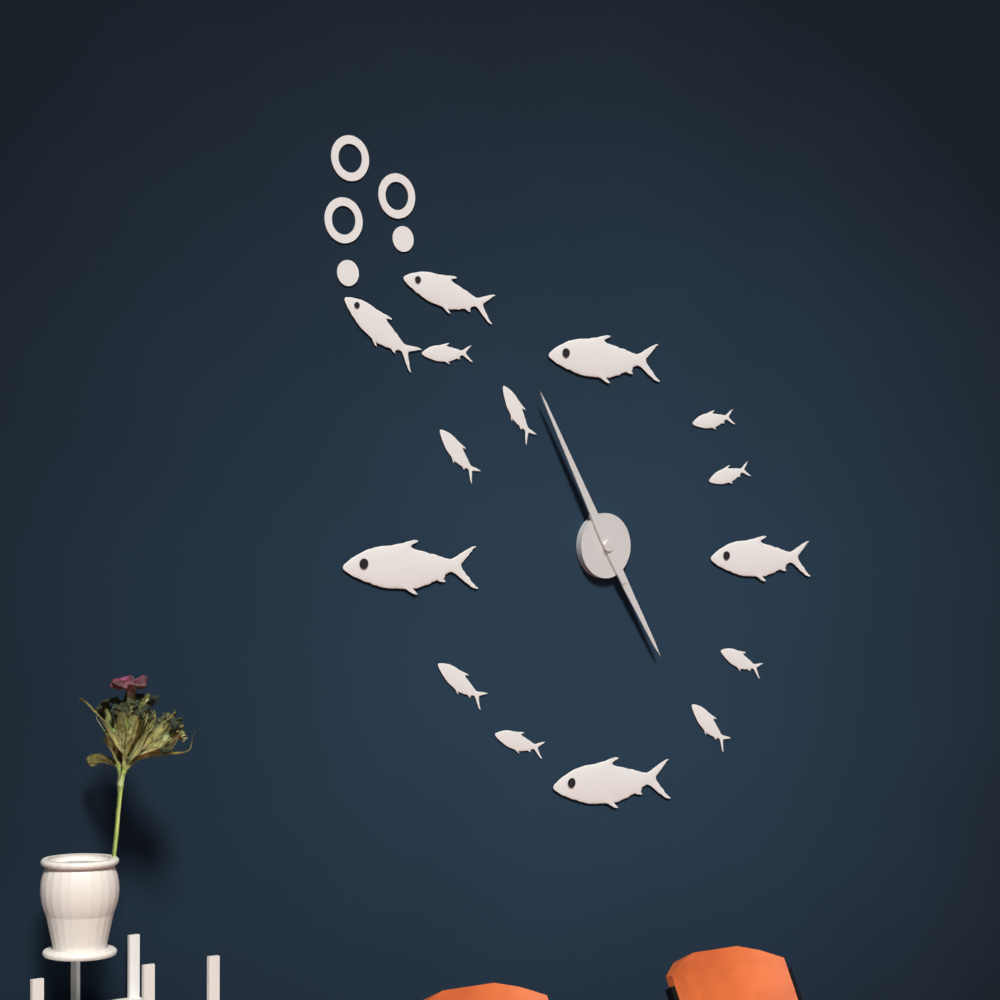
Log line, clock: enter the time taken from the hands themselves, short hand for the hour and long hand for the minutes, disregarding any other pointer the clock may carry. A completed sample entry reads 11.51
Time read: 4.55
